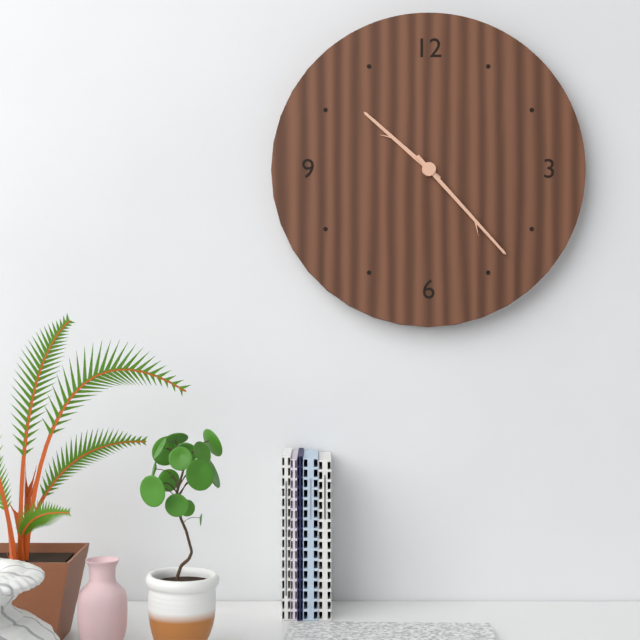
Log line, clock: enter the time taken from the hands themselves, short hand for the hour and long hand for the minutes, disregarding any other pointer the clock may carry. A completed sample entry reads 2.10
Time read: 10.23
